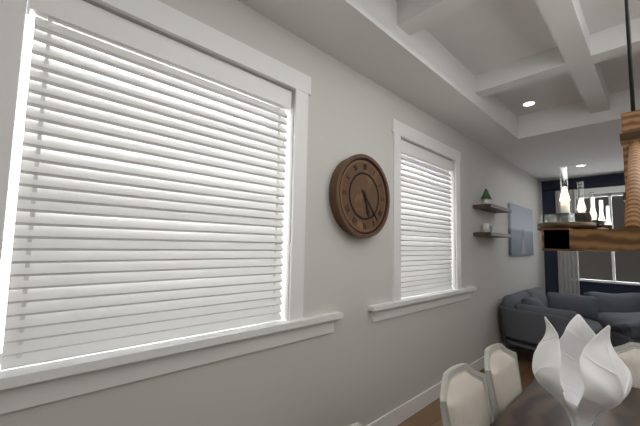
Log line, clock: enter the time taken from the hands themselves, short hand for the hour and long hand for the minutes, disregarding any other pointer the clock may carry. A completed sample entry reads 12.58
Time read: 5.23
